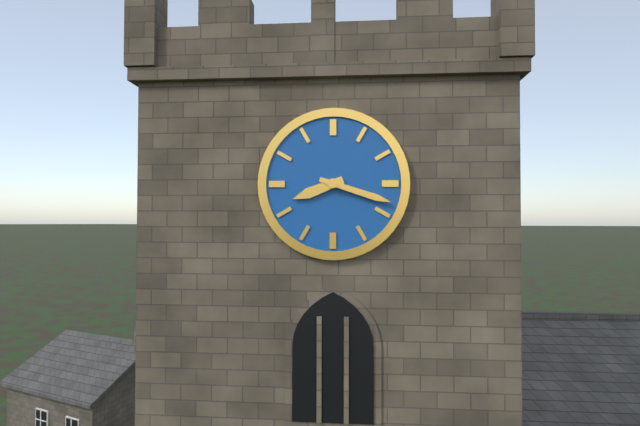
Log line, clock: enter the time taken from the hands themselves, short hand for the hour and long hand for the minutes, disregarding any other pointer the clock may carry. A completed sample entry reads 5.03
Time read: 8.18
